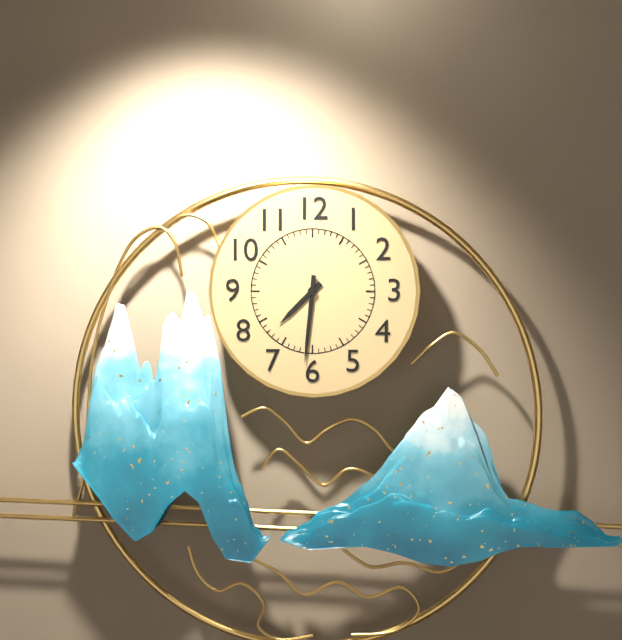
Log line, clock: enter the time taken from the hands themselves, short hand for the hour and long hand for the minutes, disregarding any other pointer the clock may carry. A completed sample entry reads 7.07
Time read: 7.31
